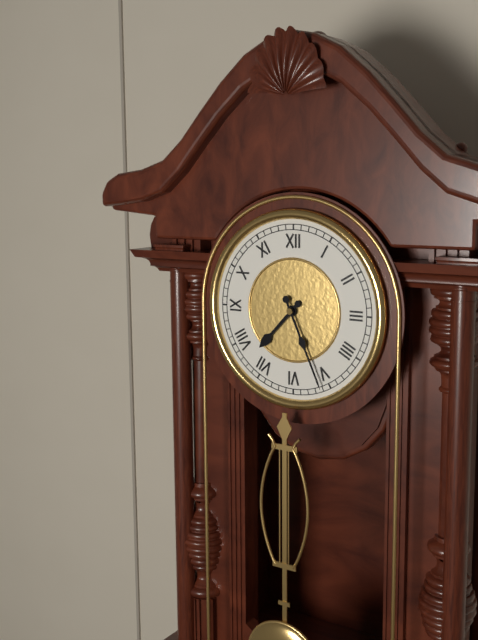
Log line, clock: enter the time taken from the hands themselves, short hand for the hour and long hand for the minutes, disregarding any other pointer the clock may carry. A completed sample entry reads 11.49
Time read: 7.26
